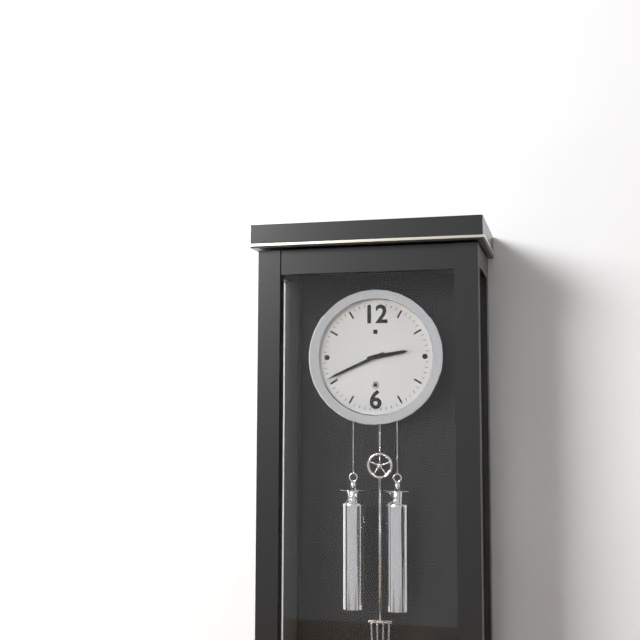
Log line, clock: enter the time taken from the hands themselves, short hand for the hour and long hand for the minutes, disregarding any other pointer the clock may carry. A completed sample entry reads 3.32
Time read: 2.41
